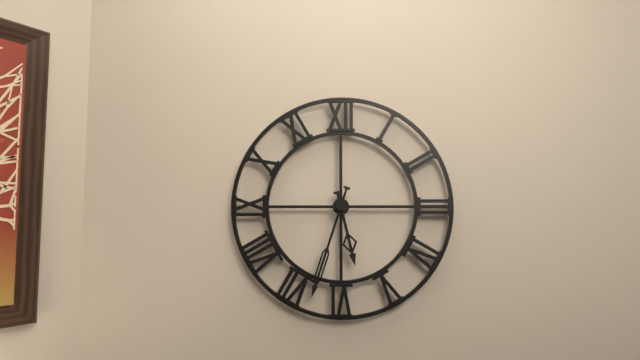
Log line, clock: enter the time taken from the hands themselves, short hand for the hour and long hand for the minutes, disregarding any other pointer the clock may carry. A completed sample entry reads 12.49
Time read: 5.33
